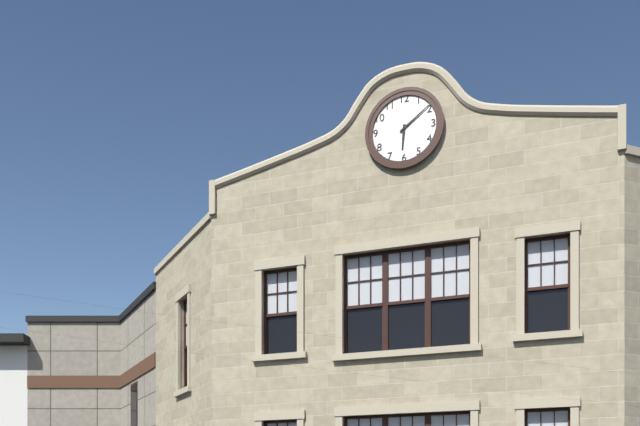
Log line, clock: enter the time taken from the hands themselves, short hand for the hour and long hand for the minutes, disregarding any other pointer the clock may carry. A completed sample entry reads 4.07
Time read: 6.09
